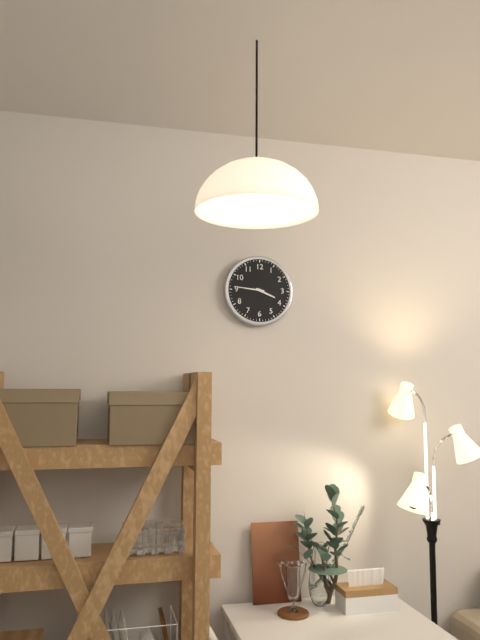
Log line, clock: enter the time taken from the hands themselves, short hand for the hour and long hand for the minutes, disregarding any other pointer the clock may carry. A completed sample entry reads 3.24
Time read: 3.46
